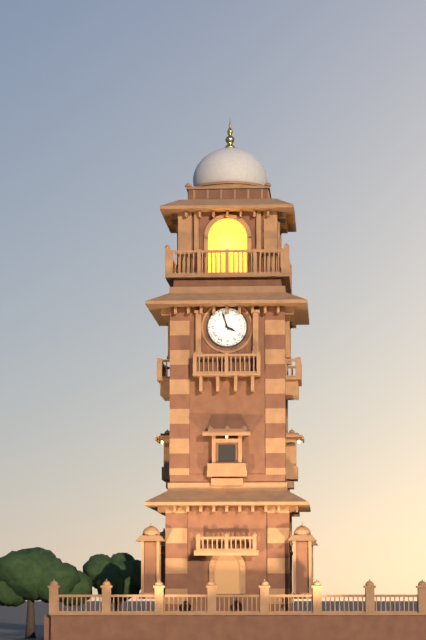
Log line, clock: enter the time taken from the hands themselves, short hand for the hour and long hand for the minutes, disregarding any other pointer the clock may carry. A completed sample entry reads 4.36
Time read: 3.57
